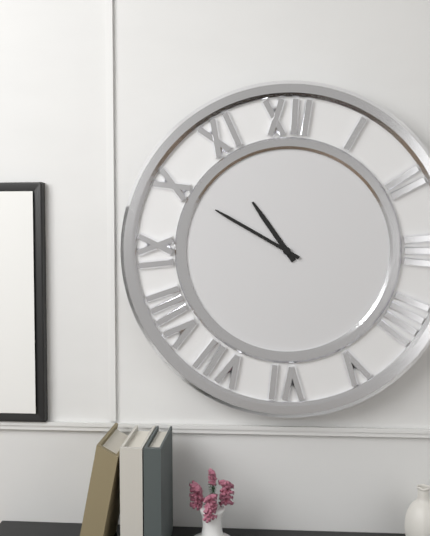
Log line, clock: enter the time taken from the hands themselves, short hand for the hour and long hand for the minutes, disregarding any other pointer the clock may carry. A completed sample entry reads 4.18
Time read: 10.50
